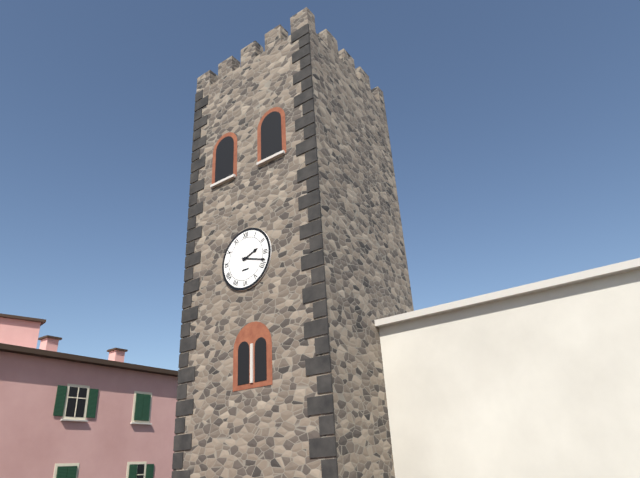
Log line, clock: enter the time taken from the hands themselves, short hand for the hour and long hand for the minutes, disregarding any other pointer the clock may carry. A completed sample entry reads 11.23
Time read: 2.18
